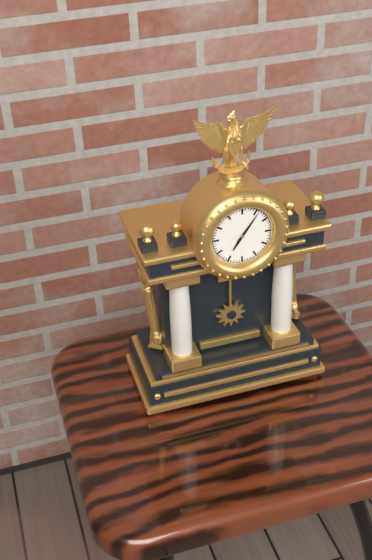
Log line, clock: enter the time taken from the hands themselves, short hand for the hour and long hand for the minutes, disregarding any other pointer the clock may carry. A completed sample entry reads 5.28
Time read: 7.06
